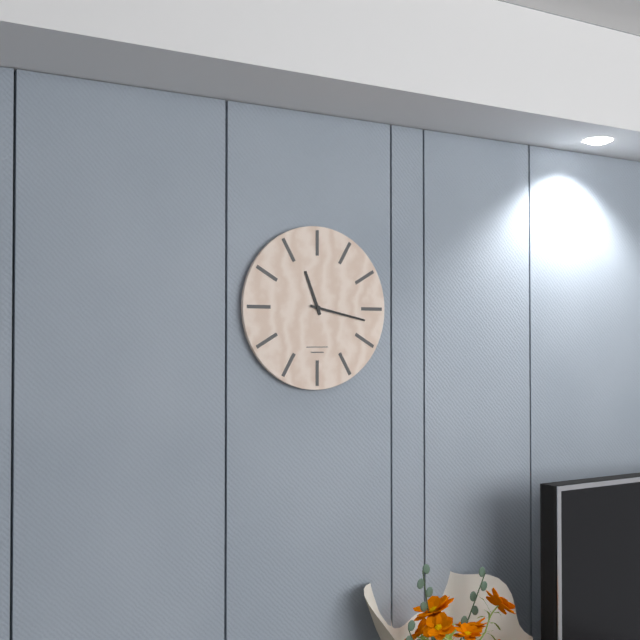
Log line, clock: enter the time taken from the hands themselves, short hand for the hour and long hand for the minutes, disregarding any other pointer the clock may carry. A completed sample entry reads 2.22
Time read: 11.17
